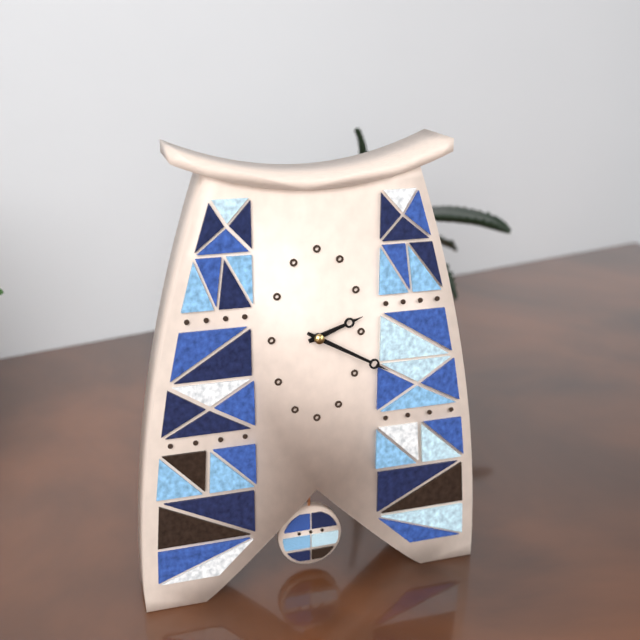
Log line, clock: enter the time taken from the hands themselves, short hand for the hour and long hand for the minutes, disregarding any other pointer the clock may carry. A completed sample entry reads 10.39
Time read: 2.20
